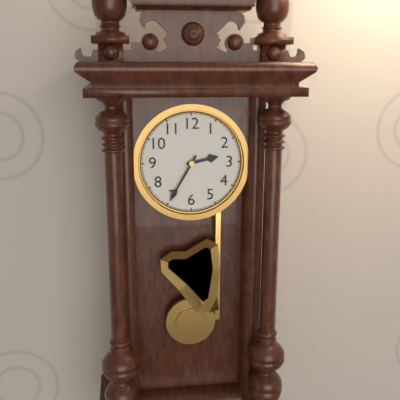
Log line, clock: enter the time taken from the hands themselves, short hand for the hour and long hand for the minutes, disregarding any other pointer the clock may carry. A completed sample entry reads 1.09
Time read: 2.35
